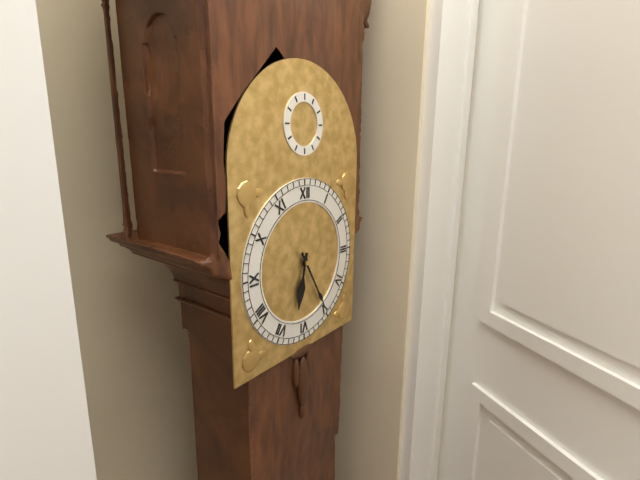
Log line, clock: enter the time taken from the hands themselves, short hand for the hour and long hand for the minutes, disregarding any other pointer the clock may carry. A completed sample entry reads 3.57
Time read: 6.25
